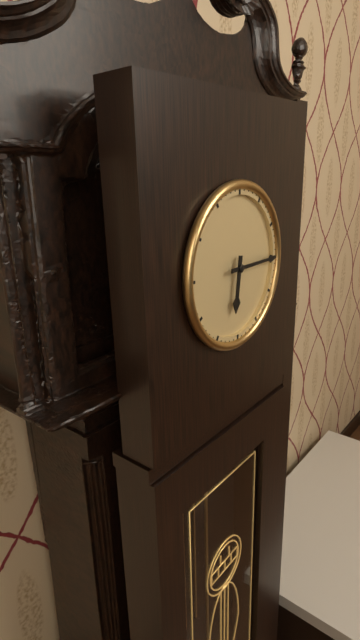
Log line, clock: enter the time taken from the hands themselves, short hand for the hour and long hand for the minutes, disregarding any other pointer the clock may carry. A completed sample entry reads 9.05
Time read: 6.15
